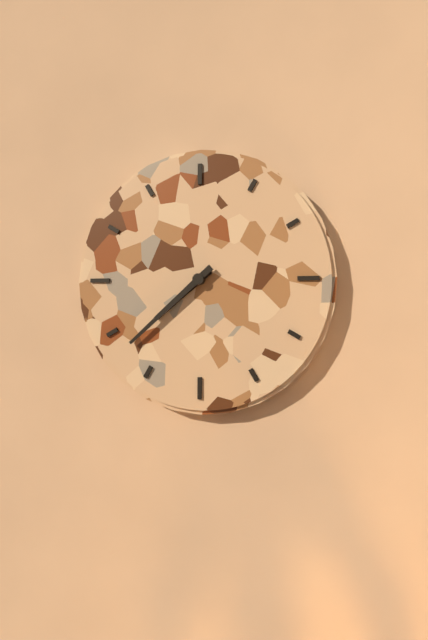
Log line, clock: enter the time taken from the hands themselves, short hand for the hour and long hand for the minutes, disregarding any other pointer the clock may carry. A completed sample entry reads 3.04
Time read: 7.38
